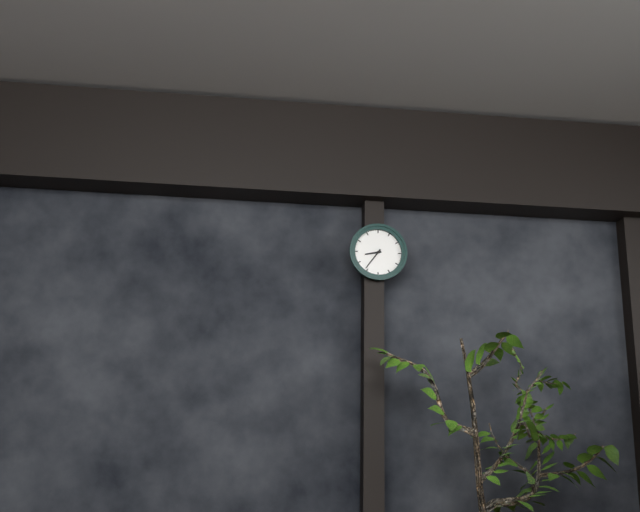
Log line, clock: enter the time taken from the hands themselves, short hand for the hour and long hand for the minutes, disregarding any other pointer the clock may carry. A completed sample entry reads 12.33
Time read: 8.36
